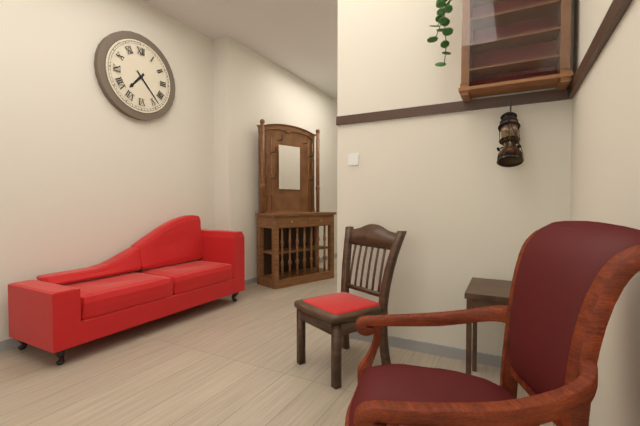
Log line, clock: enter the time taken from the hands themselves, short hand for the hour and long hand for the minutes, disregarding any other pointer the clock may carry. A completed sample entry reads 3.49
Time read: 7.23
